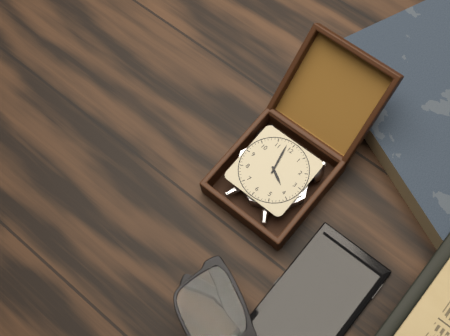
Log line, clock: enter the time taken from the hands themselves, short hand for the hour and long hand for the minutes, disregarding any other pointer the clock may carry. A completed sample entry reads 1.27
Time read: 3.58
